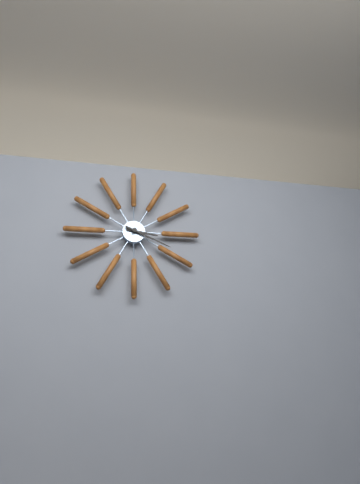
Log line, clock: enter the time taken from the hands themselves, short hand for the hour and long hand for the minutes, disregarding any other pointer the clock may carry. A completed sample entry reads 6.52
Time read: 3.19
